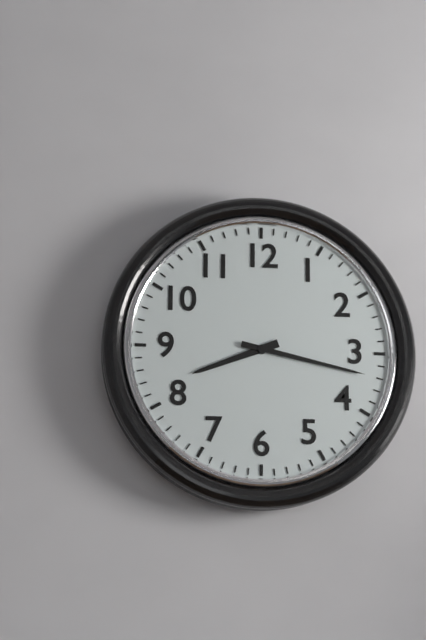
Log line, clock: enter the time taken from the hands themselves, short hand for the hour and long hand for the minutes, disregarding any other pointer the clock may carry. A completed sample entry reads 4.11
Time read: 8.17
